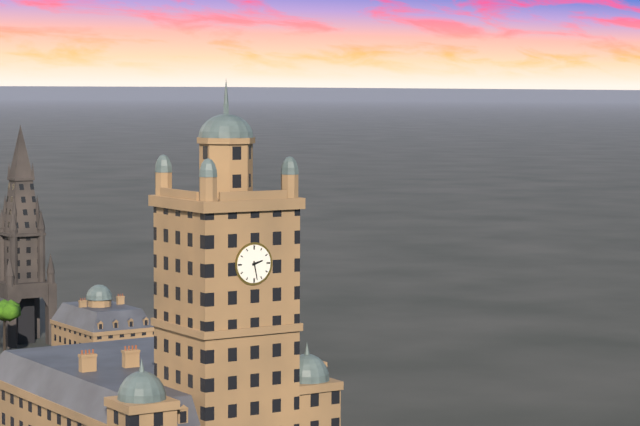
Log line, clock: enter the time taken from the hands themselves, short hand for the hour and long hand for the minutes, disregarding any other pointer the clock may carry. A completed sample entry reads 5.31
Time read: 2.28
